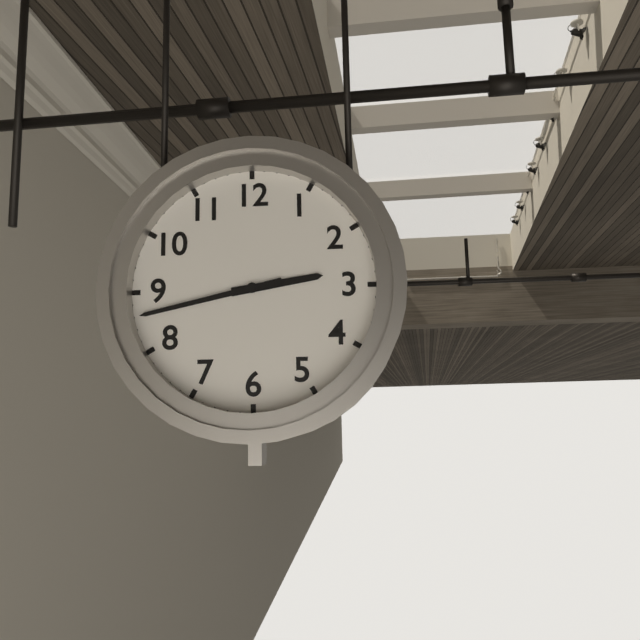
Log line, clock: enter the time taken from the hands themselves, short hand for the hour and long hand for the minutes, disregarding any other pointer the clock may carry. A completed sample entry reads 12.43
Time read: 2.43
